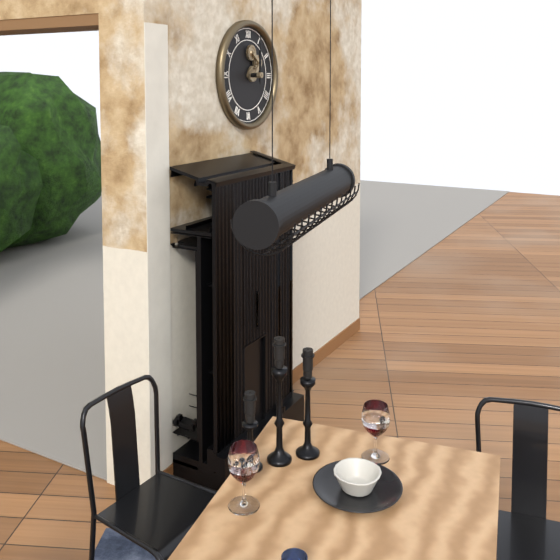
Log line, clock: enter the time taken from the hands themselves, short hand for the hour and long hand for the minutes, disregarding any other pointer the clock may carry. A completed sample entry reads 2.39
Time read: 12.00
